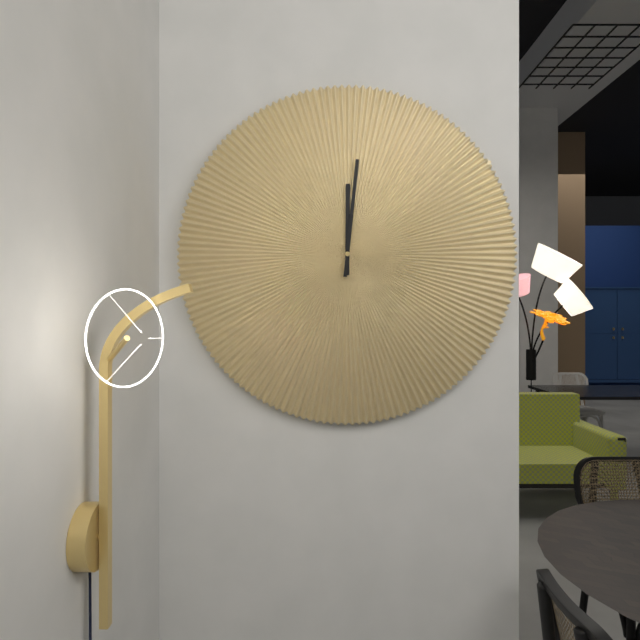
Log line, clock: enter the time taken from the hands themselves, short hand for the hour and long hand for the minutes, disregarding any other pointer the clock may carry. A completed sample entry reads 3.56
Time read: 12.01
